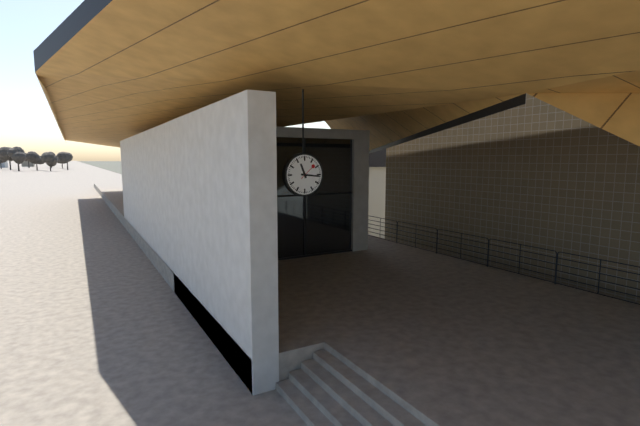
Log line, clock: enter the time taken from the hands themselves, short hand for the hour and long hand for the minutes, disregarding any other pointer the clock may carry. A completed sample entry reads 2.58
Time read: 11.16
